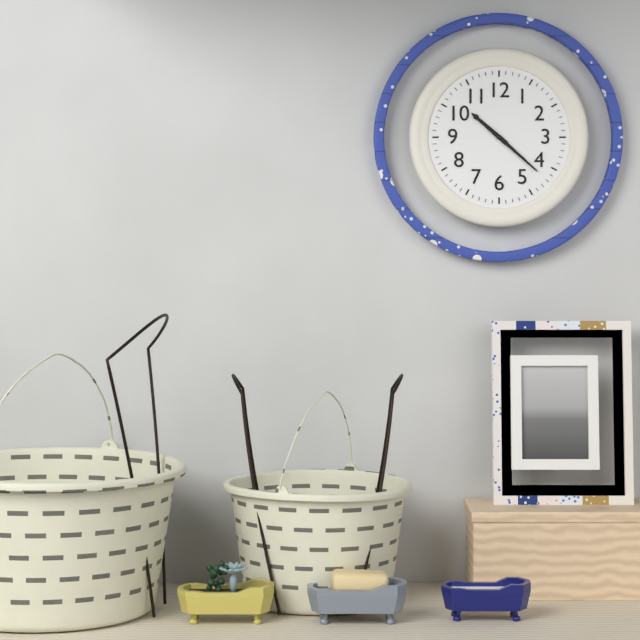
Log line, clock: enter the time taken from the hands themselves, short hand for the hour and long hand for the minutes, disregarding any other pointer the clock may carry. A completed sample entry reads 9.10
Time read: 10.22
